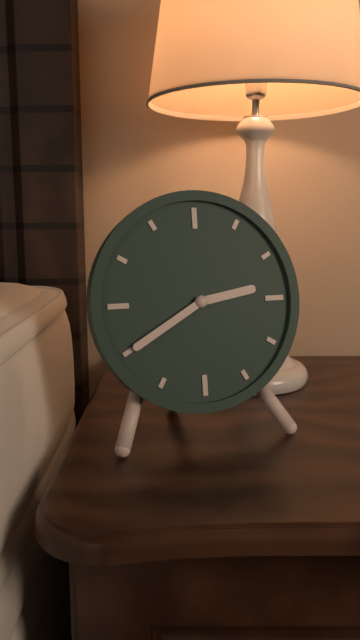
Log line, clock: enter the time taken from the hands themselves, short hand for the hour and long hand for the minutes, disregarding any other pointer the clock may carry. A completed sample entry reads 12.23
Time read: 2.40
